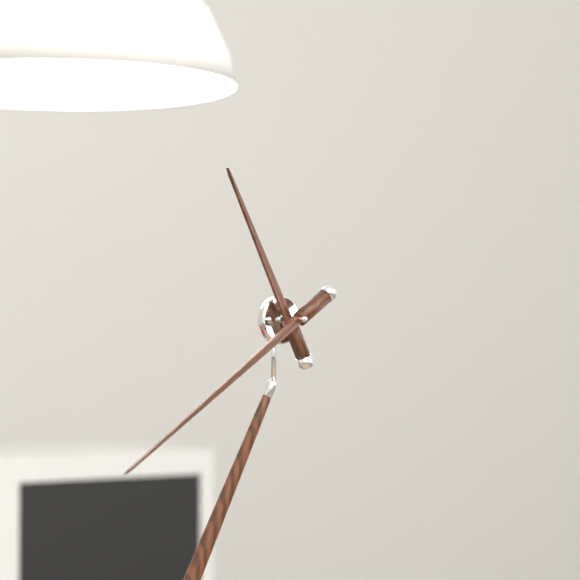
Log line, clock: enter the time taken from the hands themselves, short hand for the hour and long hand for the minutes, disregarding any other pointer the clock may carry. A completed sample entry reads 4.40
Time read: 10.37
